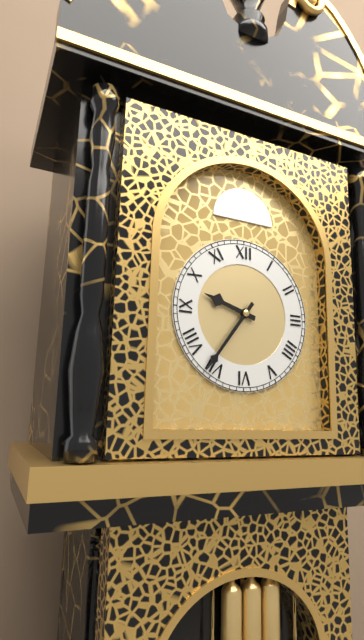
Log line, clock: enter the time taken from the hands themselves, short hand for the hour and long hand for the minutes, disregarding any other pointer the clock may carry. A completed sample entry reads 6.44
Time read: 9.36
